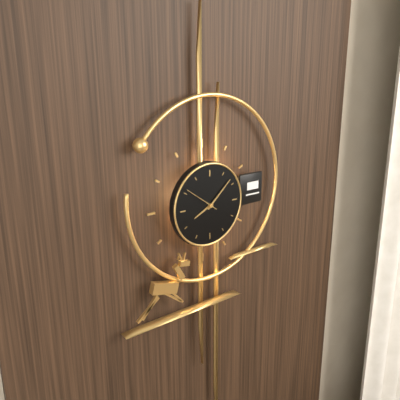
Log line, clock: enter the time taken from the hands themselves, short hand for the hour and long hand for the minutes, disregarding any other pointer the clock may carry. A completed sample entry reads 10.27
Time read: 8.08
